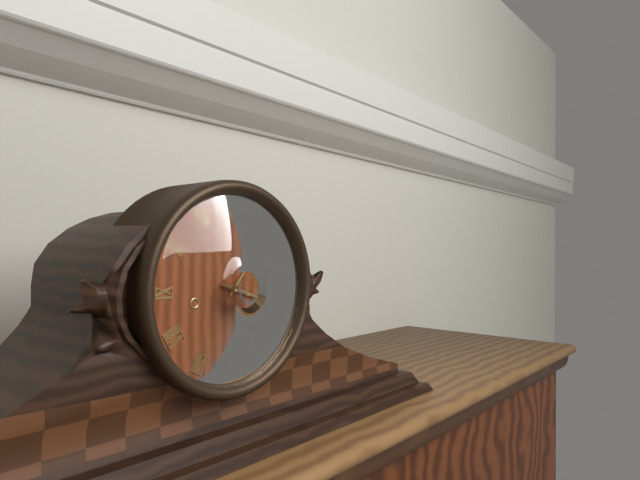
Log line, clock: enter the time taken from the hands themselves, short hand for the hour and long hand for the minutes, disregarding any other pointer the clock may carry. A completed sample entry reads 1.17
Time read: 1.18
